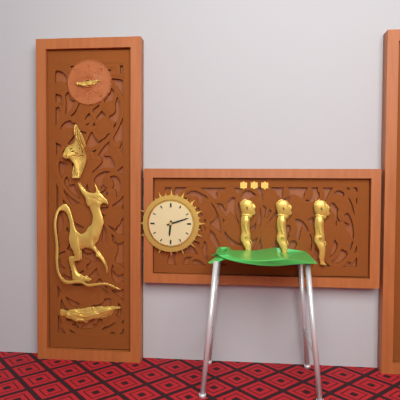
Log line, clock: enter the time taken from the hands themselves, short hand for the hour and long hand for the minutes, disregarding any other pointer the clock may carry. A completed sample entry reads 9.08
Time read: 6.12
